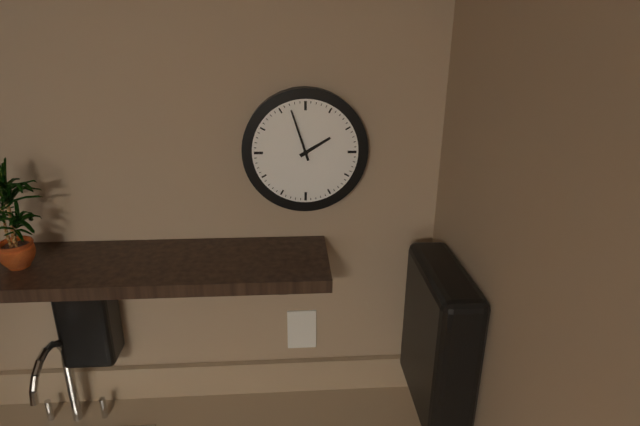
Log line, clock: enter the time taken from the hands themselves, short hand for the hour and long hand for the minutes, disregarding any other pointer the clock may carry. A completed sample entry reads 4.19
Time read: 1.57
